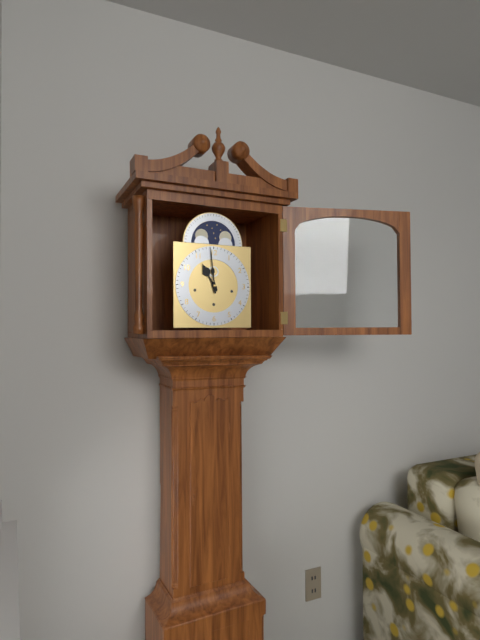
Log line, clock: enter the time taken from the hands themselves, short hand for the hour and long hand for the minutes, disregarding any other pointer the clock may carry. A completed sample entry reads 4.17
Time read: 10.59
